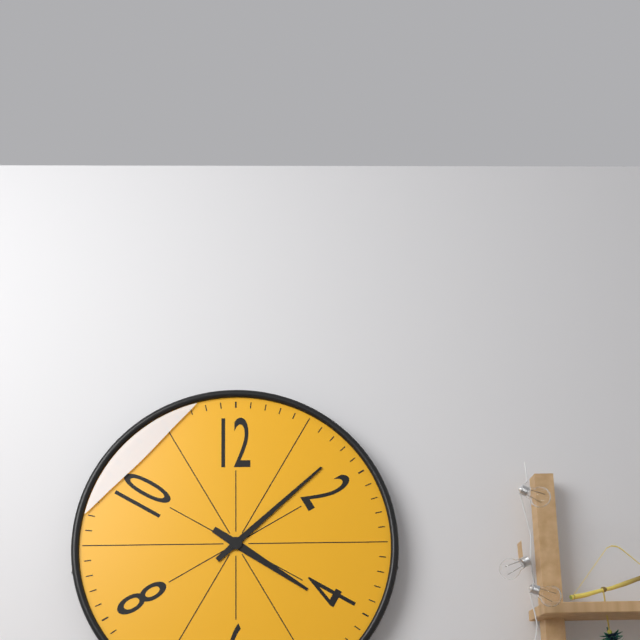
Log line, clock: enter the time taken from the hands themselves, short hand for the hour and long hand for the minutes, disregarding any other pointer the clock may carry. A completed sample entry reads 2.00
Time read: 4.08
